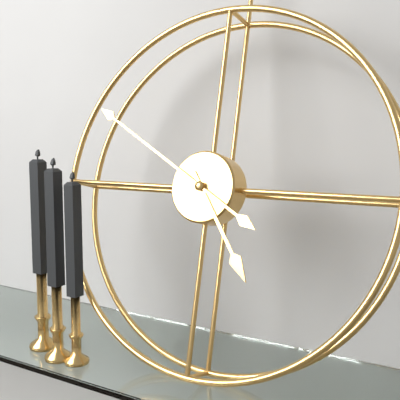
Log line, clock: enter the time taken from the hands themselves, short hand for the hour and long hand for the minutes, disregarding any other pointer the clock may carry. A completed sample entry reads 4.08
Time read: 4.50
